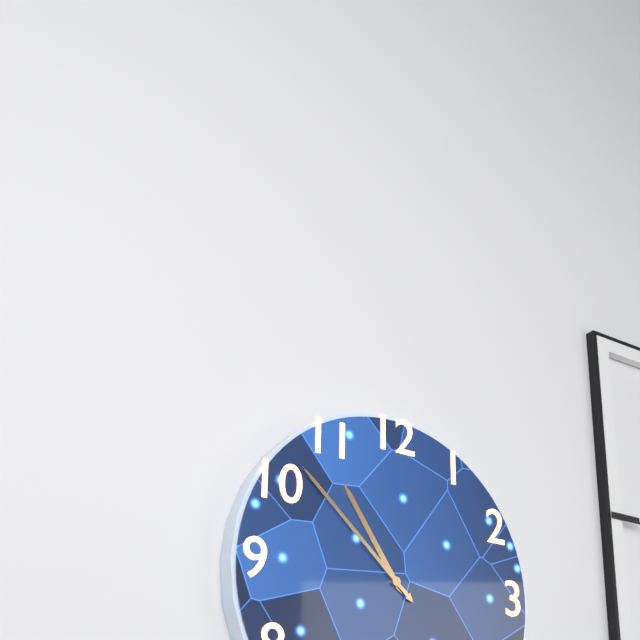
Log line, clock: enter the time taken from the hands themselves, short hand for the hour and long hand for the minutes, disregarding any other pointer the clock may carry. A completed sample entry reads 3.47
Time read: 10.52
